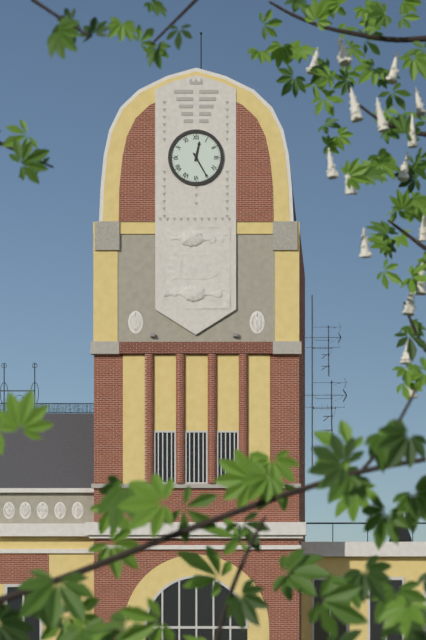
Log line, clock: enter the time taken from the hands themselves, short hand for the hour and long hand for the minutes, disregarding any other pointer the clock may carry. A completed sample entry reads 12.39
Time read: 12.25
